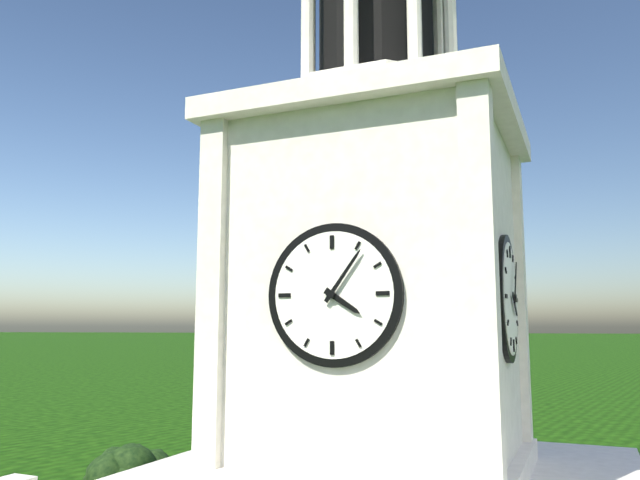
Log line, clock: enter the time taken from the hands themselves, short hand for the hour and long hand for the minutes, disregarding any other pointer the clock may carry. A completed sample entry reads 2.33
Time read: 4.06
